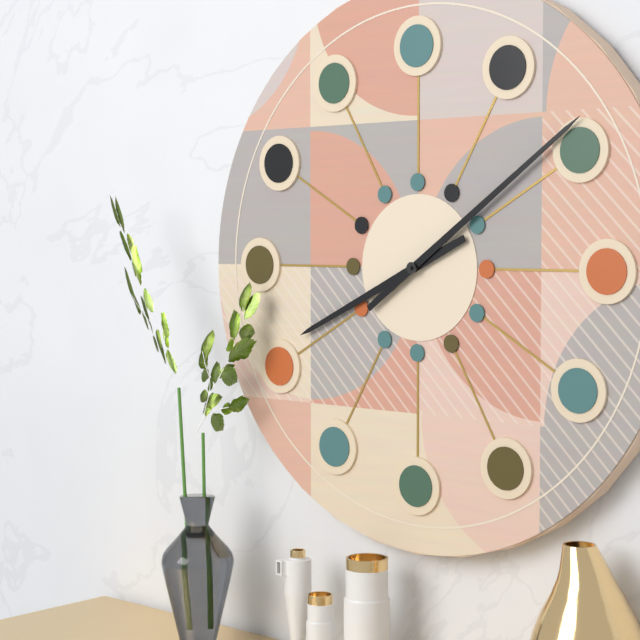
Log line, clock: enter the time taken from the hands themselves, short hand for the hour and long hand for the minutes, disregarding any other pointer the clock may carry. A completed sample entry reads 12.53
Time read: 8.09
